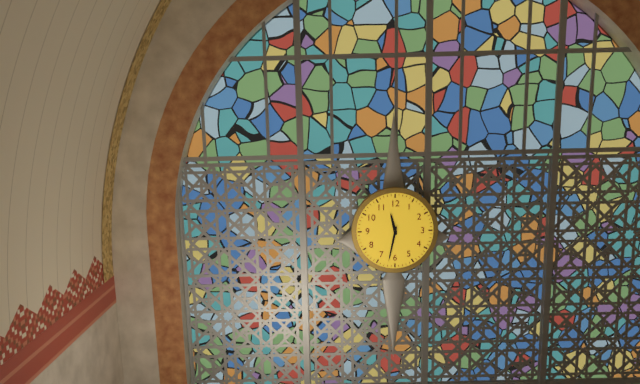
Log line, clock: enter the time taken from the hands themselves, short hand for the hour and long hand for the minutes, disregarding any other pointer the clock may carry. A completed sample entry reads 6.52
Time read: 11.32
